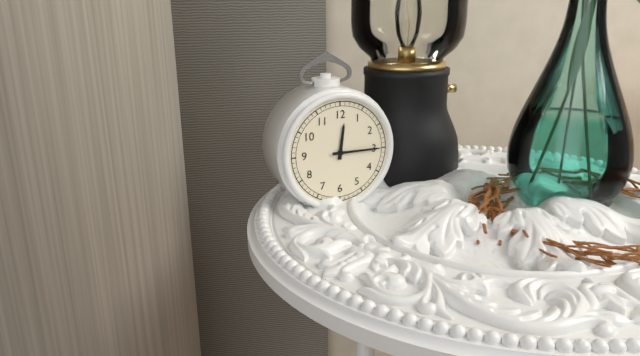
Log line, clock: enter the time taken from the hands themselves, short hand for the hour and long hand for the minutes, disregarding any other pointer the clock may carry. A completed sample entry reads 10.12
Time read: 12.15
